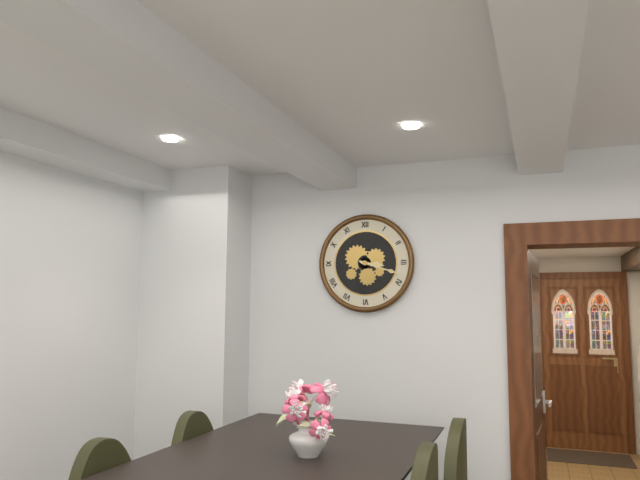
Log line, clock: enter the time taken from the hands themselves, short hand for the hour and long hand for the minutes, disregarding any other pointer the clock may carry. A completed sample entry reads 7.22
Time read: 3.18
